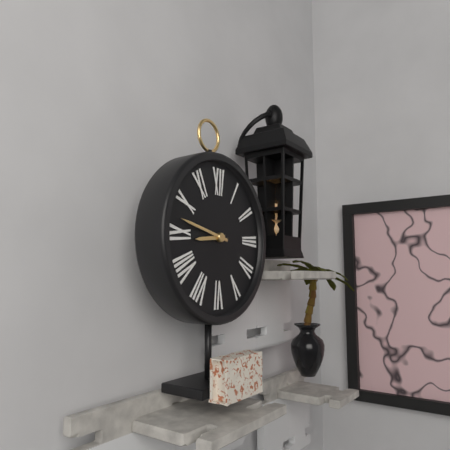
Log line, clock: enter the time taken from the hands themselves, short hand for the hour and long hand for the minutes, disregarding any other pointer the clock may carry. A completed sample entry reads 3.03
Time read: 8.47
